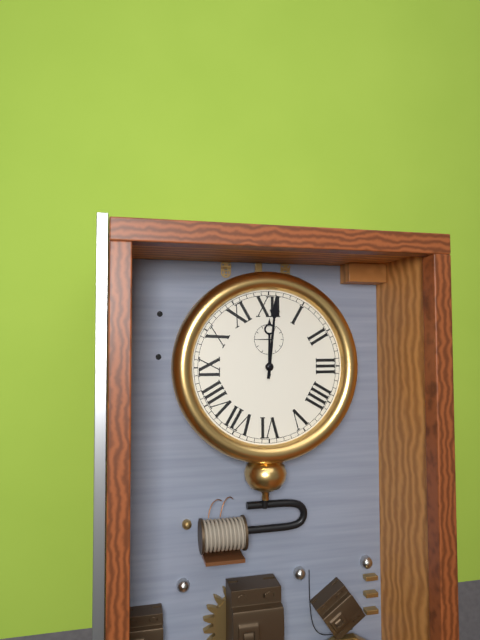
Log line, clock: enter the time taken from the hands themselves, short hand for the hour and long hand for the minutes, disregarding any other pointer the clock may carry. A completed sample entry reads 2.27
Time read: 12.01
